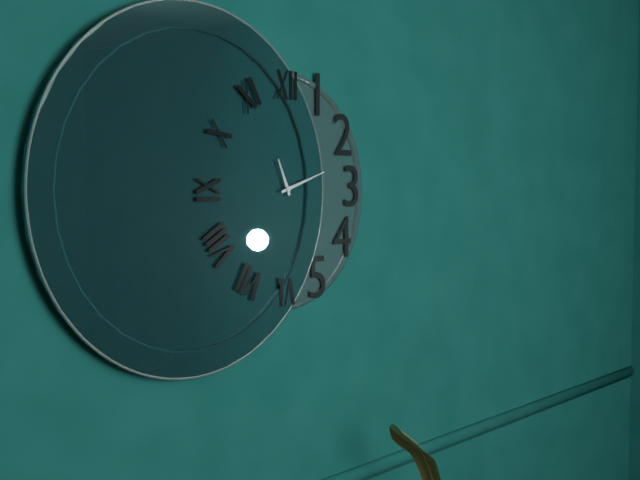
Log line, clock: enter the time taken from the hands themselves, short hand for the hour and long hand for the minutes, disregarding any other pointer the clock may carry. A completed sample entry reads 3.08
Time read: 11.12
